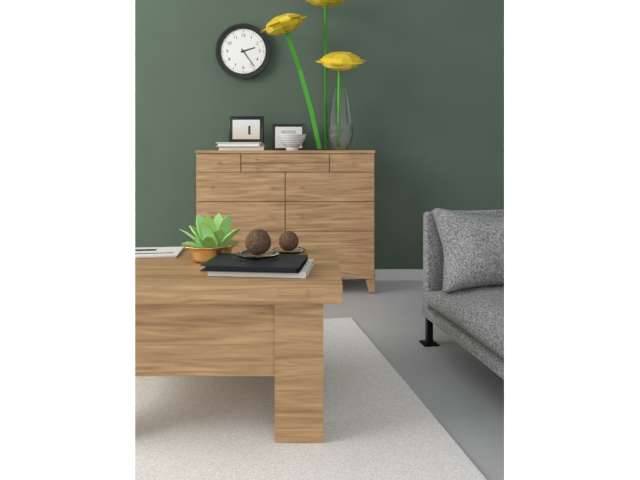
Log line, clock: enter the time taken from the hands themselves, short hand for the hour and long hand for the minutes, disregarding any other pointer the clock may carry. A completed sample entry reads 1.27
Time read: 2.24
